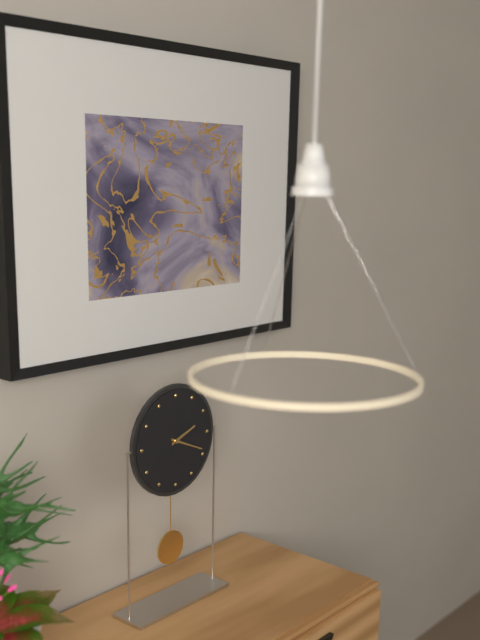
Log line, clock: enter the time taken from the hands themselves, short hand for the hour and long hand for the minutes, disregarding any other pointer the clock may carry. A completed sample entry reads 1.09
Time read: 2.19
